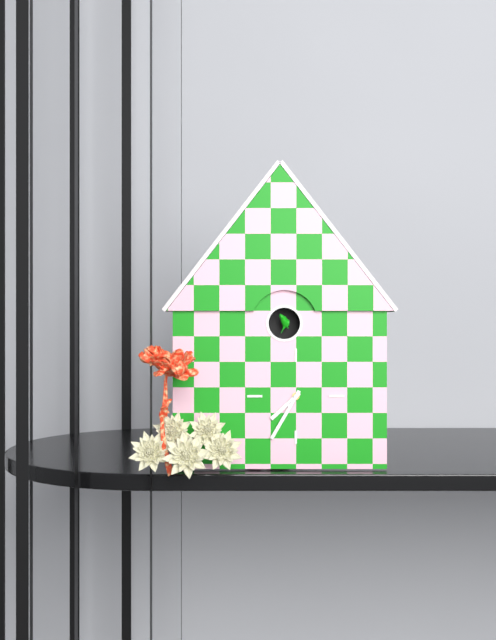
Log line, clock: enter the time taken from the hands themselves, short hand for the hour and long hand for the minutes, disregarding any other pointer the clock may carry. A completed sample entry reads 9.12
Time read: 7.35
